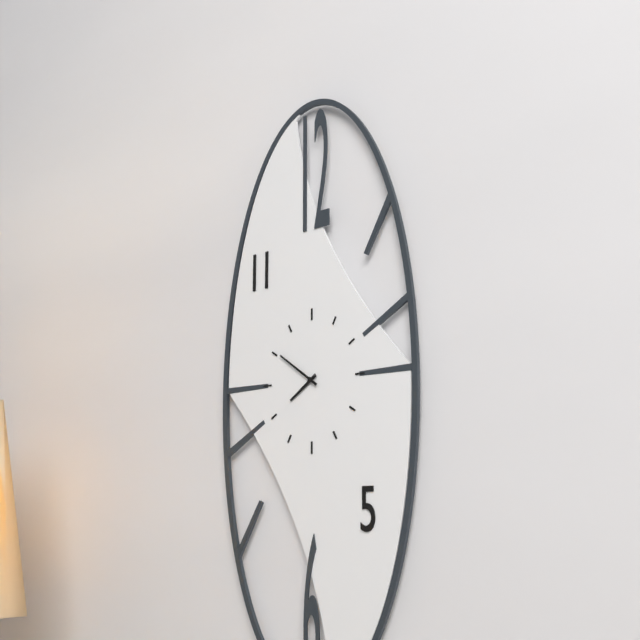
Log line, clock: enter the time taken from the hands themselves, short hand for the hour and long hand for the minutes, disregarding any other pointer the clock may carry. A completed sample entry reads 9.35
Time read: 7.51
